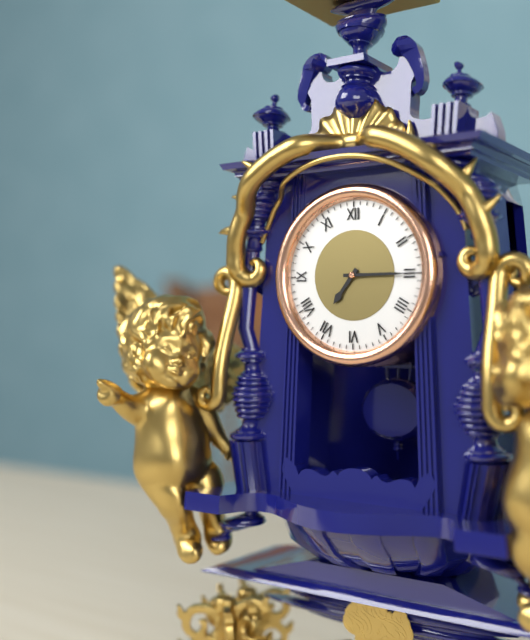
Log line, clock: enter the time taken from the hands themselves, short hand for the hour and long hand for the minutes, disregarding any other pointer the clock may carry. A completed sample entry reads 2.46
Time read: 7.15
